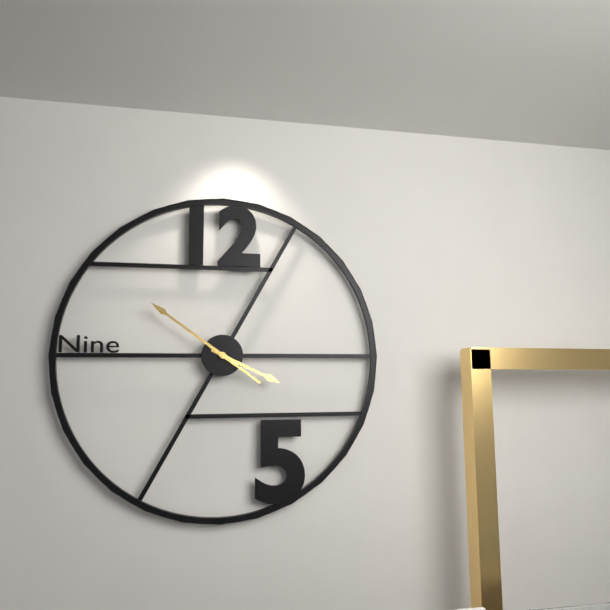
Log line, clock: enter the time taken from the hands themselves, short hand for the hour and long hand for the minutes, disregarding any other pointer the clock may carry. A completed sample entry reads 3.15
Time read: 3.51
